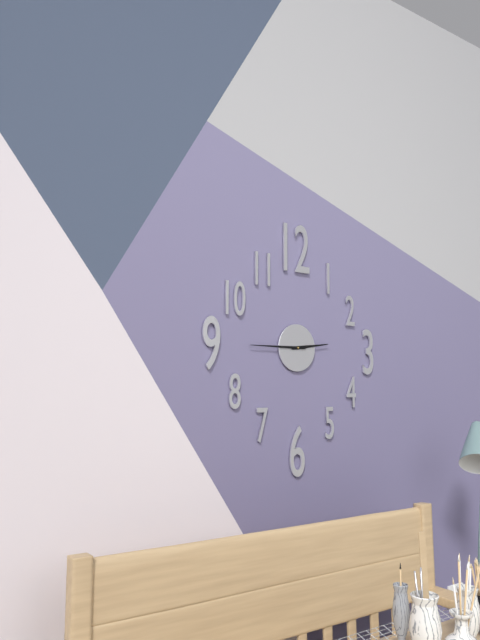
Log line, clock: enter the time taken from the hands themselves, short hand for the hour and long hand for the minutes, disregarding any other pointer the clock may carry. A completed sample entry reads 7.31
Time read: 2.45
